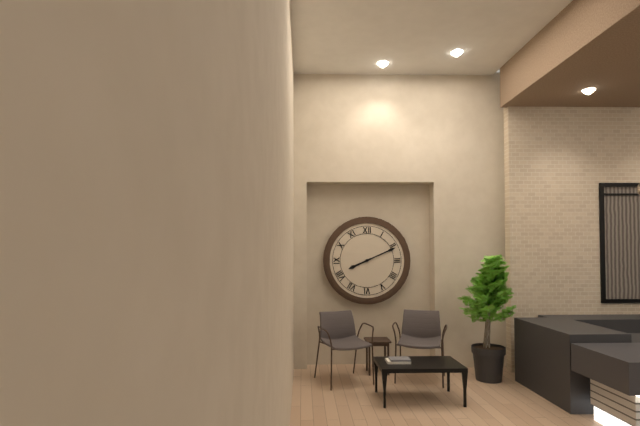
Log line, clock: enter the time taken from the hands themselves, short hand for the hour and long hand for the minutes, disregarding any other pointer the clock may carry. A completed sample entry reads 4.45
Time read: 8.11
